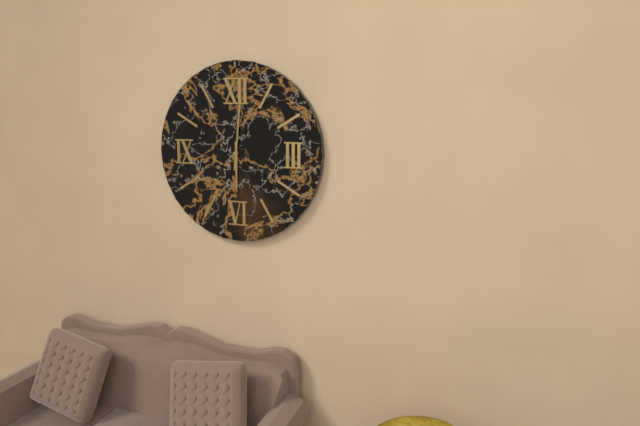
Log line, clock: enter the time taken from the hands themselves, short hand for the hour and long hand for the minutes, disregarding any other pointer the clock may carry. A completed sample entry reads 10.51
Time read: 6.01
